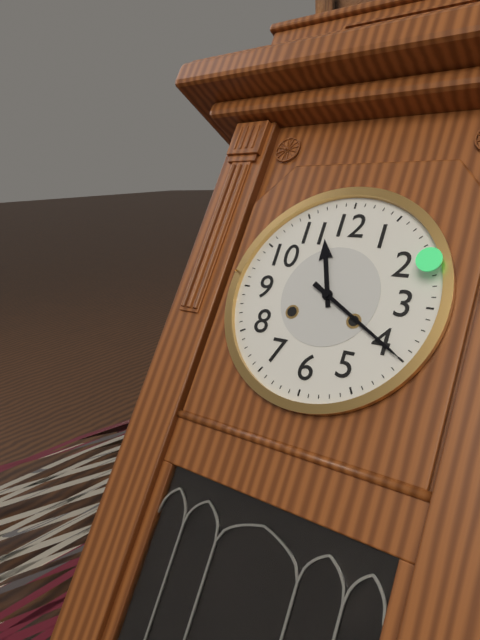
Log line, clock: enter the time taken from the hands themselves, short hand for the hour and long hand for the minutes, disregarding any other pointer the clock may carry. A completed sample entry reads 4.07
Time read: 11.20
